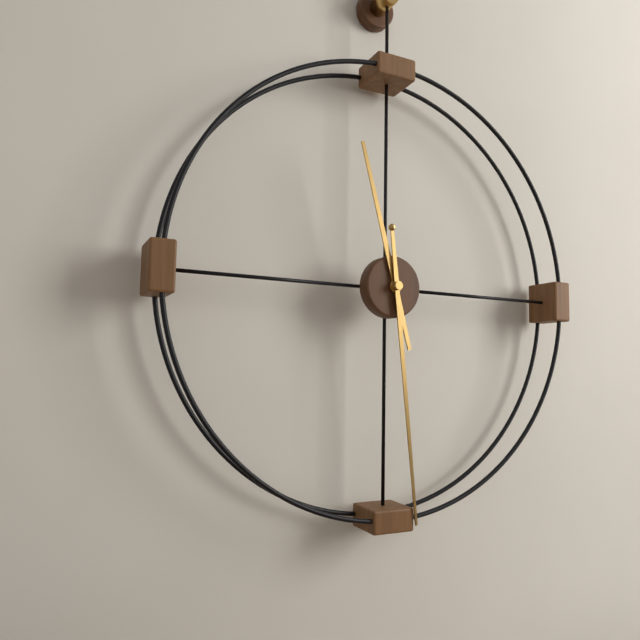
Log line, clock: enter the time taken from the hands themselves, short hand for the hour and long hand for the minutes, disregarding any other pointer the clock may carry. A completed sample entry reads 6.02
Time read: 11.29
